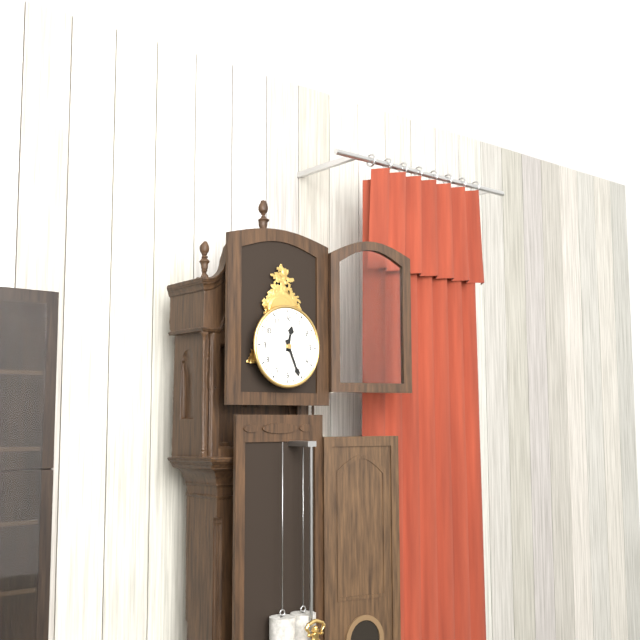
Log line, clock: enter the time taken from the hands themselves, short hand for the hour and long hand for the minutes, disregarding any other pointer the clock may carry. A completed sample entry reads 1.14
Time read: 12.26
